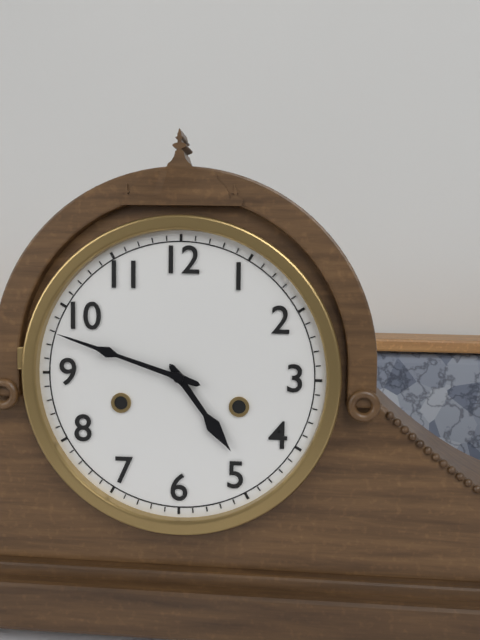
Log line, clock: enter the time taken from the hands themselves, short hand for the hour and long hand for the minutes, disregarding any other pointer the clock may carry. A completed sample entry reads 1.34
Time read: 4.48
